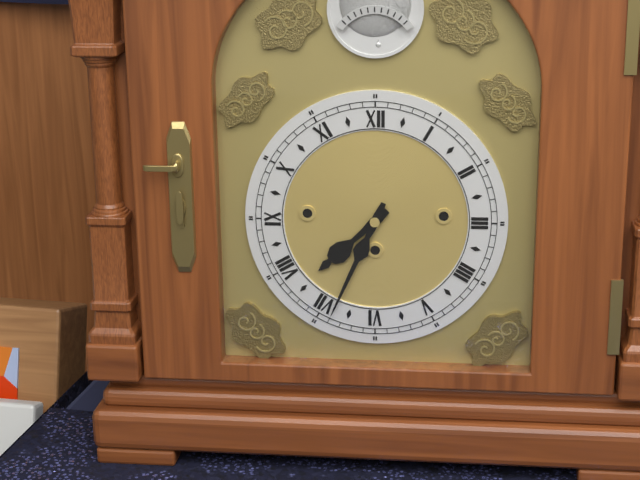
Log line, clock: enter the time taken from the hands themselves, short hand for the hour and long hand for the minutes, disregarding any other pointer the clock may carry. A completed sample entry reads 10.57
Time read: 7.34
